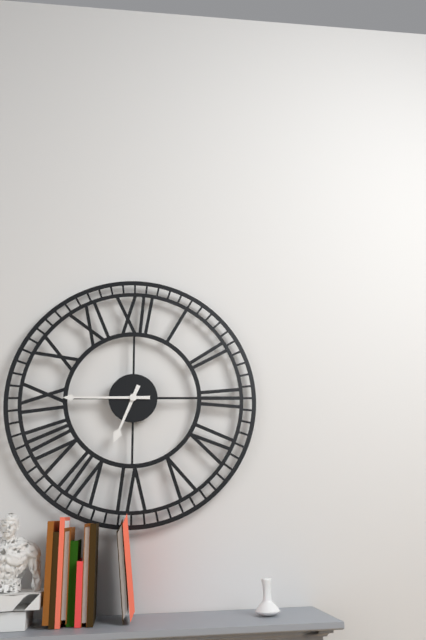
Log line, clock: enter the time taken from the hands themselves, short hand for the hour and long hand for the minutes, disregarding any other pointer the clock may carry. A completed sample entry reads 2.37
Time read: 6.45
